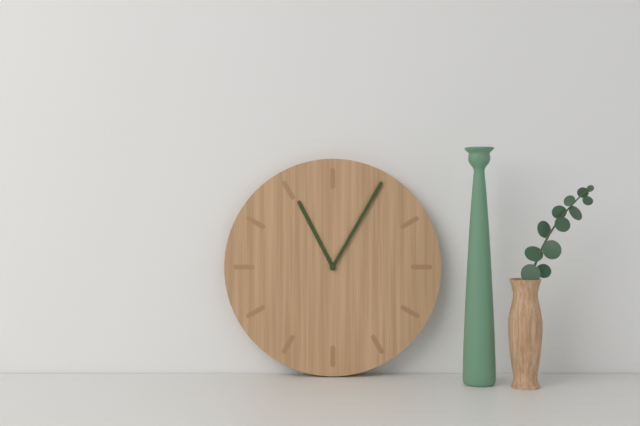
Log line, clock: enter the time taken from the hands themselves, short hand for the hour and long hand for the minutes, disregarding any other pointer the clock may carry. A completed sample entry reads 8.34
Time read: 11.05
